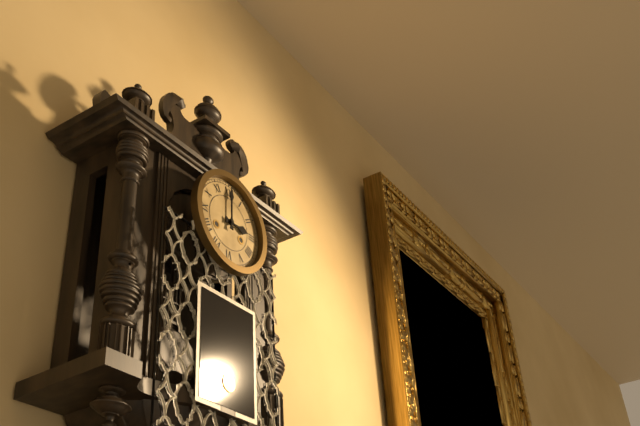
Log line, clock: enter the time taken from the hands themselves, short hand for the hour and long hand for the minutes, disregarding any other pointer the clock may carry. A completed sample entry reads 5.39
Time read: 3.00
